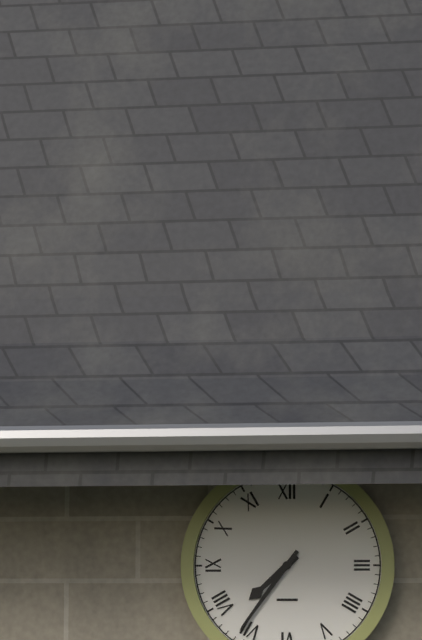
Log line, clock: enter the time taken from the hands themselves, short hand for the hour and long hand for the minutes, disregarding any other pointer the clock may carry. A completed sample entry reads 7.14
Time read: 7.36
